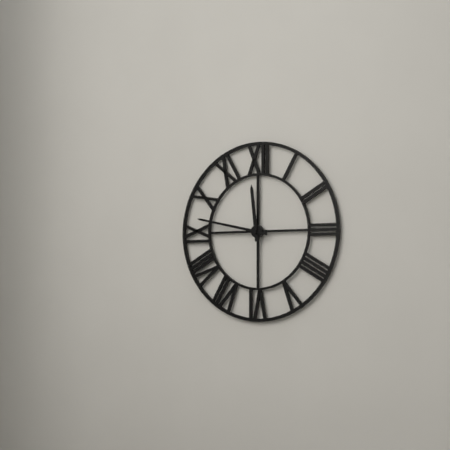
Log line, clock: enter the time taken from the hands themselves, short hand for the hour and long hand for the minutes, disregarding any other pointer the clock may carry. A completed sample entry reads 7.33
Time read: 11.47
